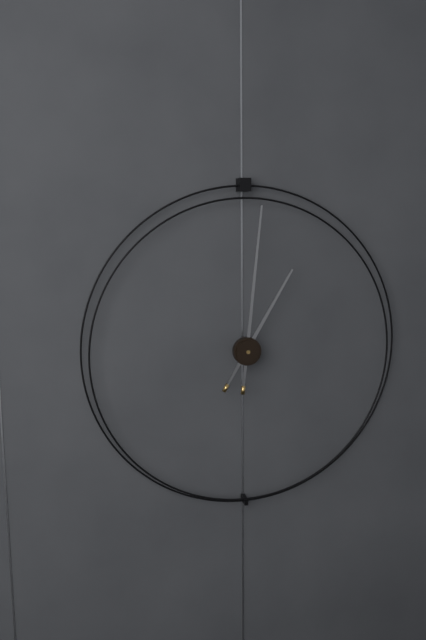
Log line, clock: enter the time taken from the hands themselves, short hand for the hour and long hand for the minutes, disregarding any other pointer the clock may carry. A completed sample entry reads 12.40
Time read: 1.01
